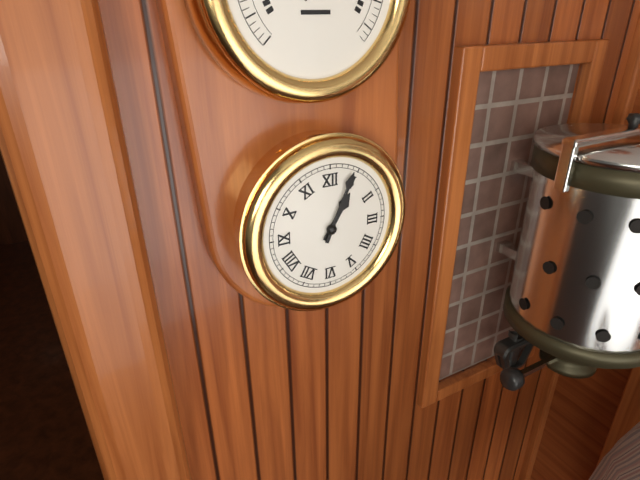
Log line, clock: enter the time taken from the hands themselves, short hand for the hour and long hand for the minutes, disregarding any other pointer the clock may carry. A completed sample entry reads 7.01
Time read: 1.04
